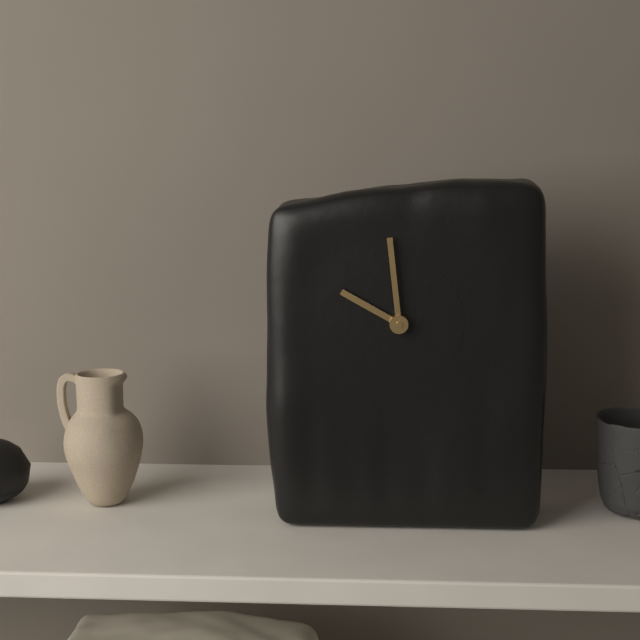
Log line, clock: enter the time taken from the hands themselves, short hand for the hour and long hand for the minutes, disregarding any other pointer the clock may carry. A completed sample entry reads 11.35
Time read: 9.59
